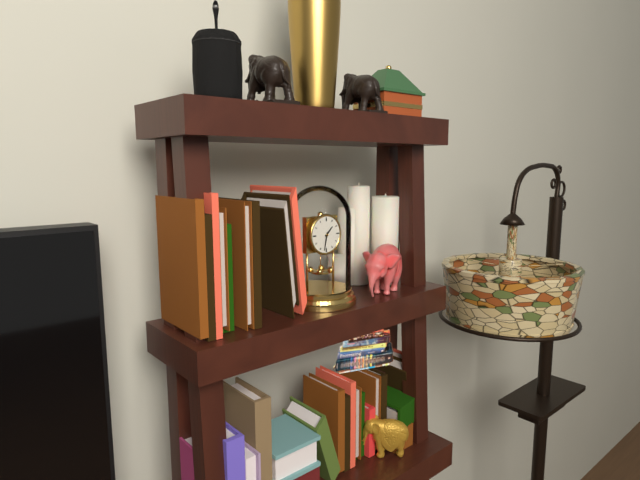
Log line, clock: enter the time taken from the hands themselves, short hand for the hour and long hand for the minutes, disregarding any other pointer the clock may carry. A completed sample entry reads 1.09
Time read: 1.32
